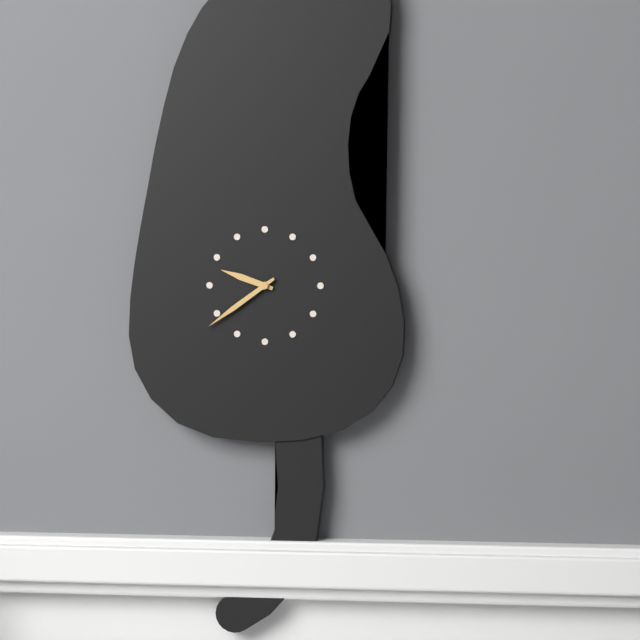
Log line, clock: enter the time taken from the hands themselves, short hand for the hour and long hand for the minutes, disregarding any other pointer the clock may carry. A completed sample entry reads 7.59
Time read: 9.39
